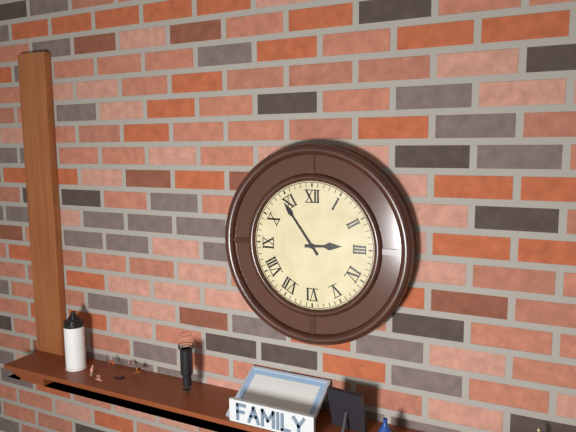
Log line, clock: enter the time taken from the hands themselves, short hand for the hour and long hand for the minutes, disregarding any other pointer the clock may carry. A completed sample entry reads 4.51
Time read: 2.54
